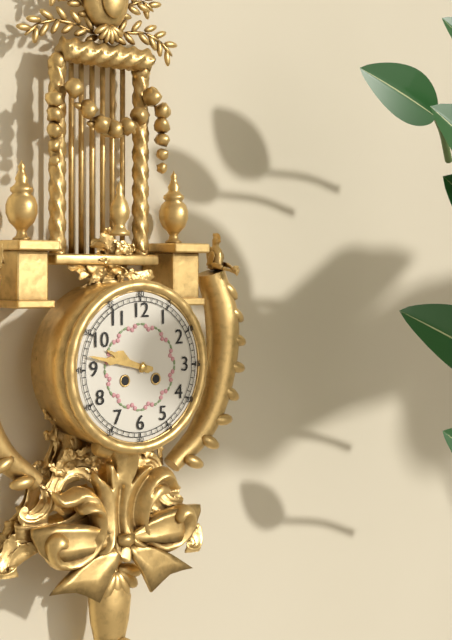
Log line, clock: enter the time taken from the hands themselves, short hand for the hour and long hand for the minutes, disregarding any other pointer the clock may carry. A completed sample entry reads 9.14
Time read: 9.47
